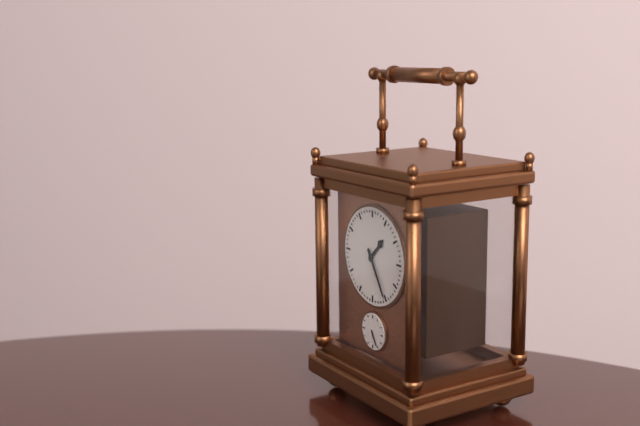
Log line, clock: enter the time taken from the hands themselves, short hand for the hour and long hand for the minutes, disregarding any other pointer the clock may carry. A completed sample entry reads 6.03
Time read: 1.25
